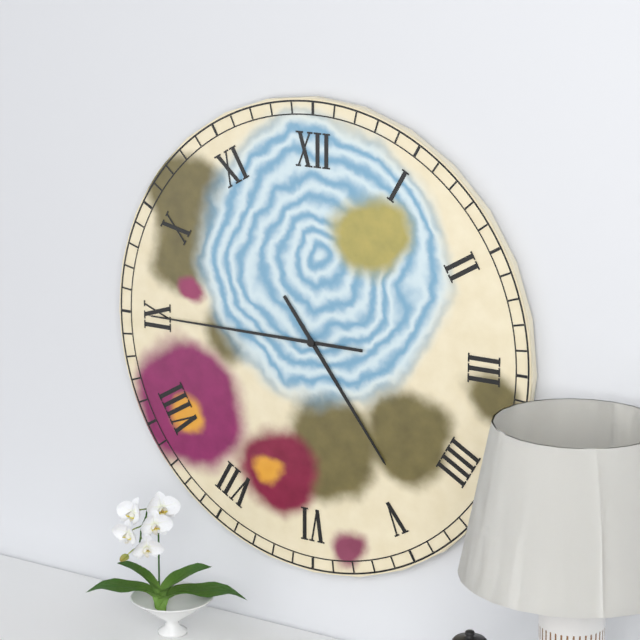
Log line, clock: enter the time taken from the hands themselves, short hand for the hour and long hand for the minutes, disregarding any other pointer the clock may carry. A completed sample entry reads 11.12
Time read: 4.45
